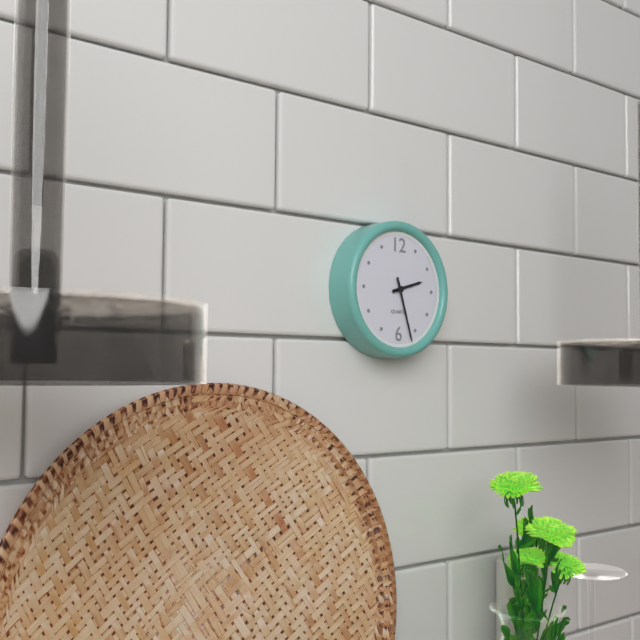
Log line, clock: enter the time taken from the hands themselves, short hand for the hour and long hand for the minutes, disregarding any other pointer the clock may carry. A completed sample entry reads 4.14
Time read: 2.27
